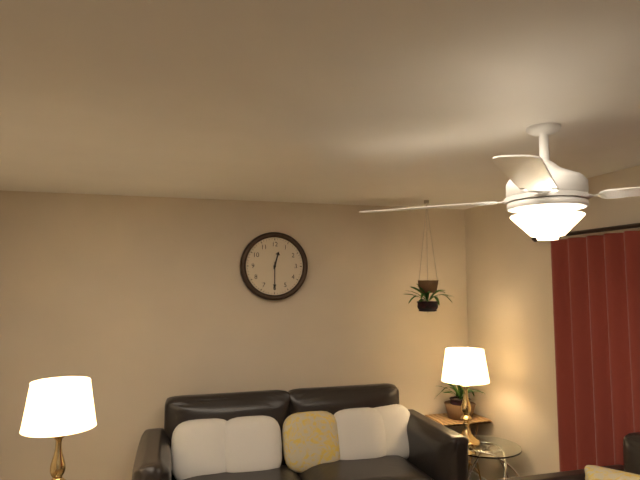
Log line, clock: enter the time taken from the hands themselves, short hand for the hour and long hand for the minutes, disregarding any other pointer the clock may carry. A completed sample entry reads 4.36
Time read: 12.30
